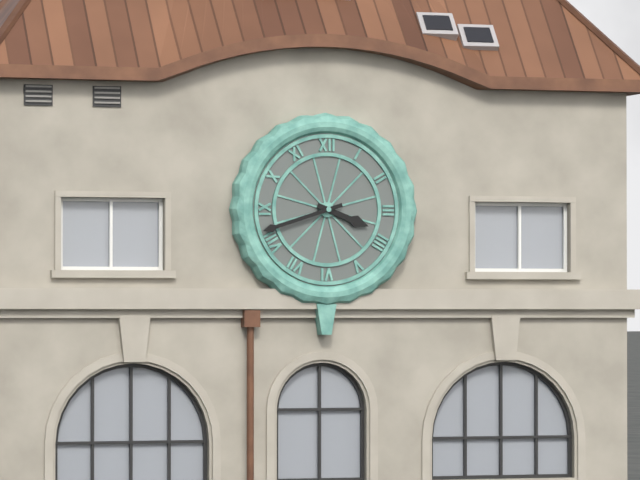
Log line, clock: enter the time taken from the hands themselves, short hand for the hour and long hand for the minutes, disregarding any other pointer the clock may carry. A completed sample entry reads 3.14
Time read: 3.42
